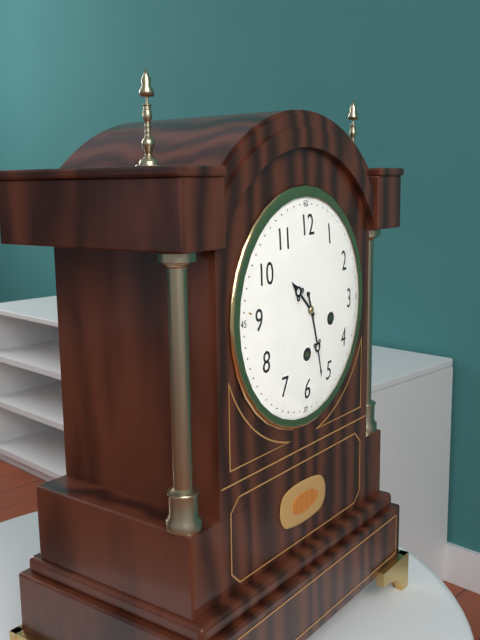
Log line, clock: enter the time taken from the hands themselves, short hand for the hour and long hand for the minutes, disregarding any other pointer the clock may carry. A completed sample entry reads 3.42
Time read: 10.27
